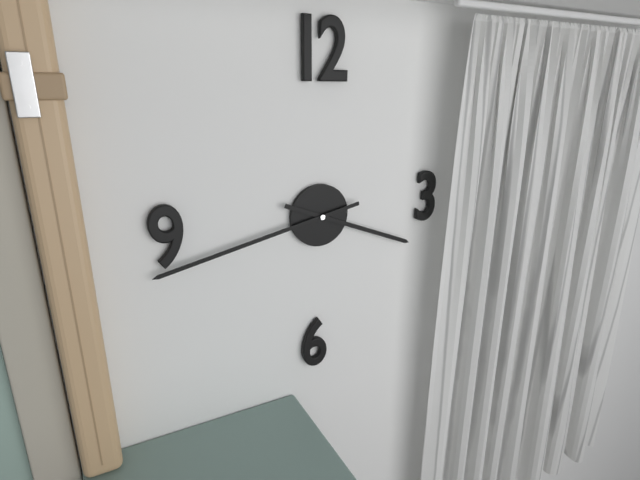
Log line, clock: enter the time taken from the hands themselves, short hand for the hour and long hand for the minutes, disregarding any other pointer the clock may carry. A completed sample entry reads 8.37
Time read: 3.43
